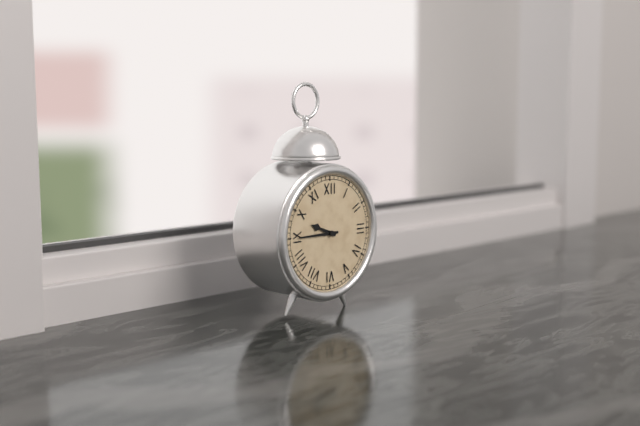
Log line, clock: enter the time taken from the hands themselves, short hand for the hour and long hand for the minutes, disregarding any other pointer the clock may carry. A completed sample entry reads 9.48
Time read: 9.45
